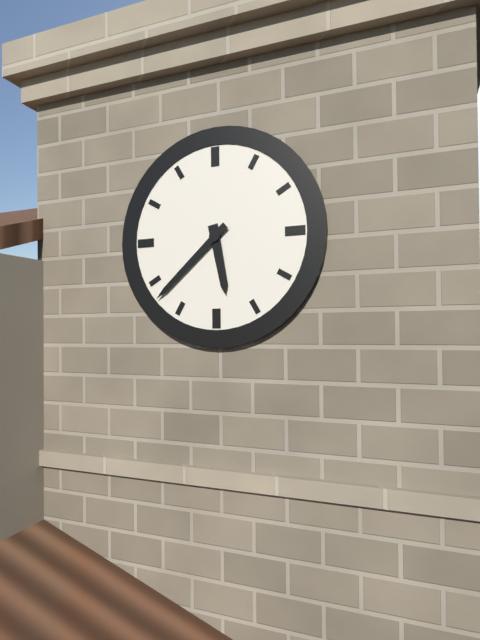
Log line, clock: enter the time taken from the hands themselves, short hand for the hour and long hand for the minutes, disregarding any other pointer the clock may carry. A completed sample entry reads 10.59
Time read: 5.38
